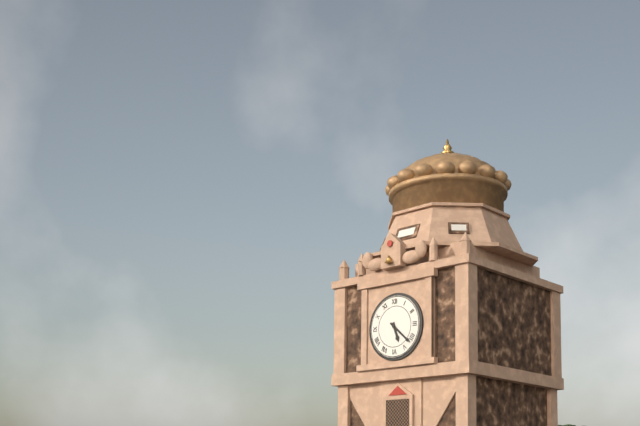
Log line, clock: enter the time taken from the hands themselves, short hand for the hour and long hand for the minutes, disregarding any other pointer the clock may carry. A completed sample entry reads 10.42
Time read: 5.22
